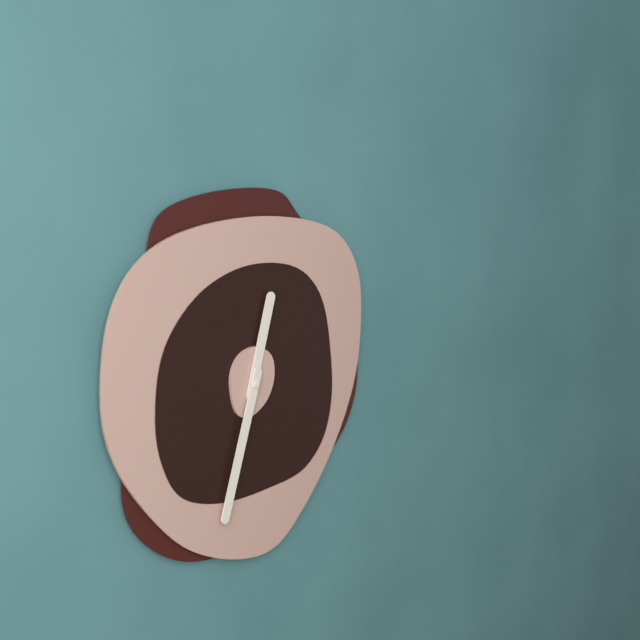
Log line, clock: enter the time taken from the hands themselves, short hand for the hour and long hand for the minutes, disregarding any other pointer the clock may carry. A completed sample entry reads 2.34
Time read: 12.33
